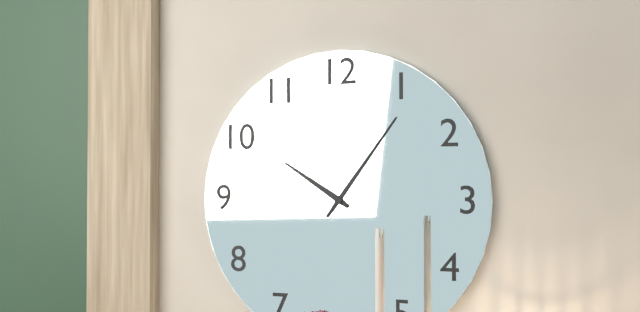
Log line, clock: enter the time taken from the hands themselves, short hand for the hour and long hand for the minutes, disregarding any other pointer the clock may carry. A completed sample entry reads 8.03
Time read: 10.06
